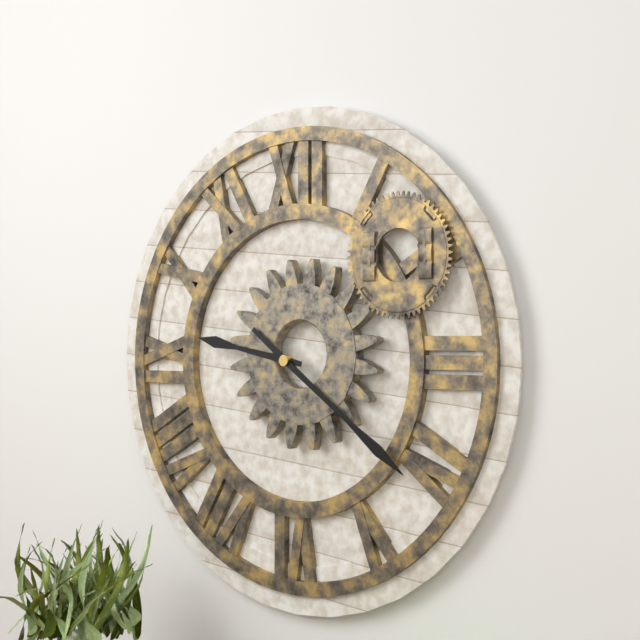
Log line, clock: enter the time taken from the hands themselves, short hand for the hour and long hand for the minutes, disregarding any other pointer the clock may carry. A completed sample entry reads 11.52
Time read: 9.21
